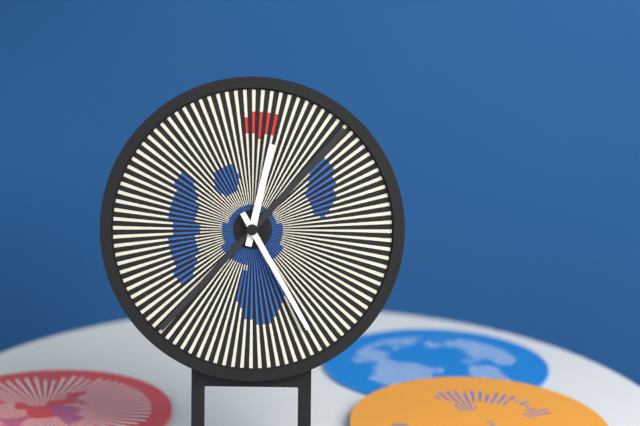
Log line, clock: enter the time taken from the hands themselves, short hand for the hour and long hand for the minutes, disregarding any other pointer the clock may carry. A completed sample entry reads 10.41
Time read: 12.25
